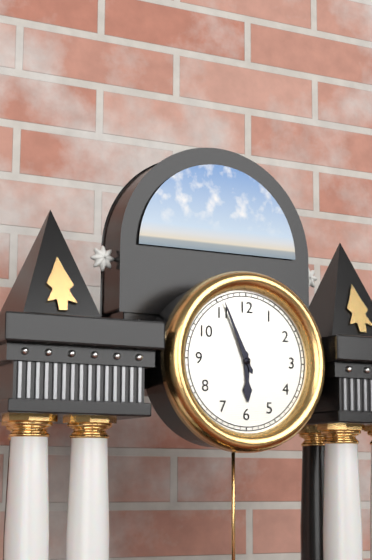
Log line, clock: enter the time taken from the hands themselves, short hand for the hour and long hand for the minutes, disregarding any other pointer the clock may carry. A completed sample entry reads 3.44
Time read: 5.56
